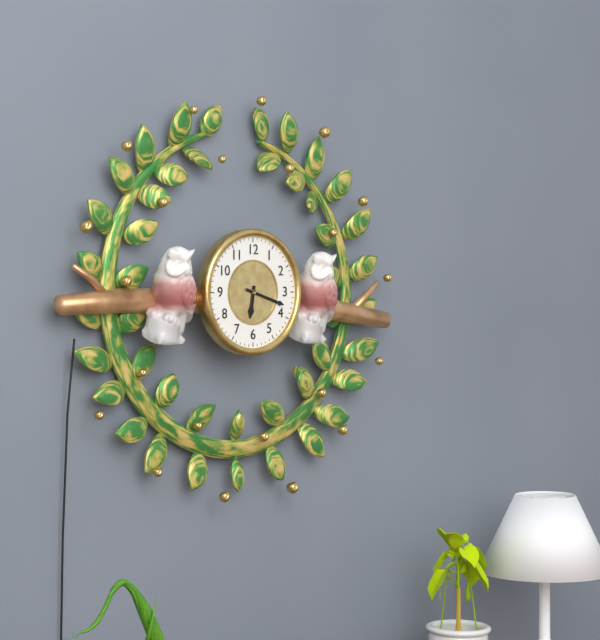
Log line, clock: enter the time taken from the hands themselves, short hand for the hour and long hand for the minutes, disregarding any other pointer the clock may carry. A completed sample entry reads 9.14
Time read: 6.18
